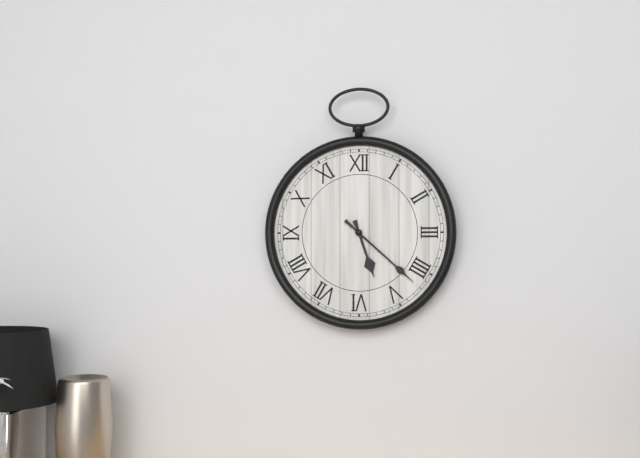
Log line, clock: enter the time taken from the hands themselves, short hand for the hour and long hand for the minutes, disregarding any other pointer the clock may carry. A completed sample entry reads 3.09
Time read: 5.22
